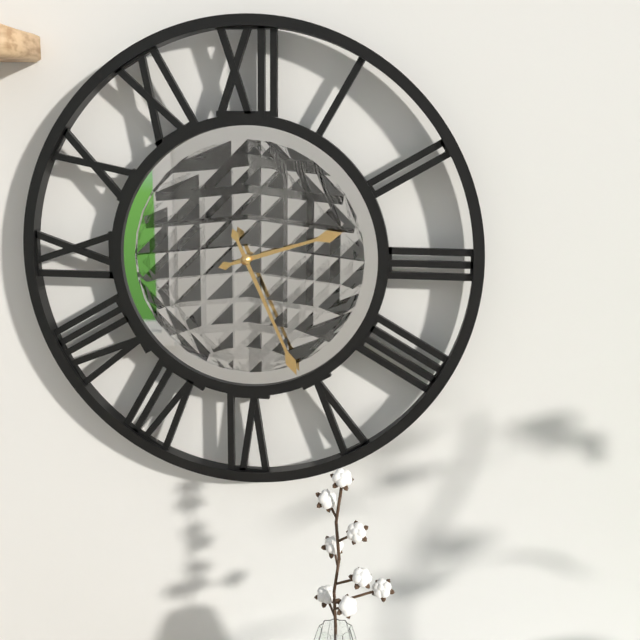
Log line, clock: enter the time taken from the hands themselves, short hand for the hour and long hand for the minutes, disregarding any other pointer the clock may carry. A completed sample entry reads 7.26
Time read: 2.26
